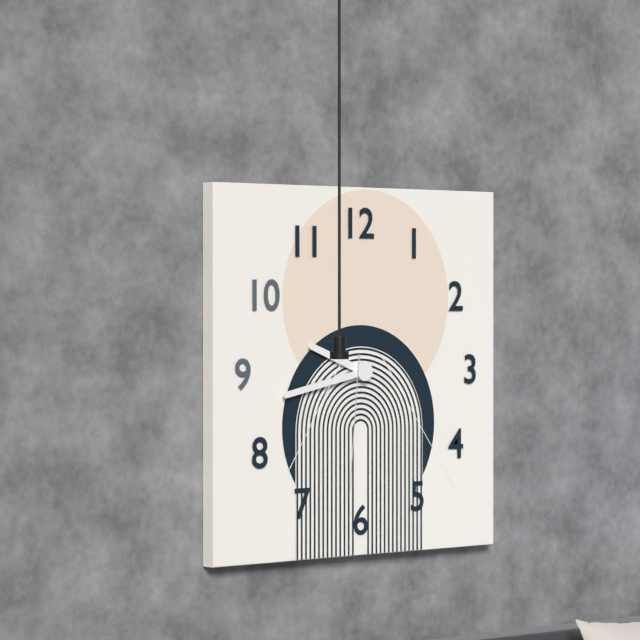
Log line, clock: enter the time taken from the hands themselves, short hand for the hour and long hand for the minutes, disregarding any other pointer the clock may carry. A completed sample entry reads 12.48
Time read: 9.43
